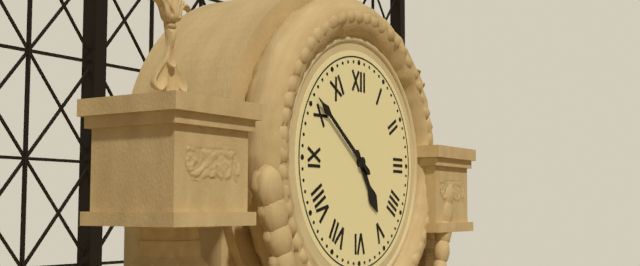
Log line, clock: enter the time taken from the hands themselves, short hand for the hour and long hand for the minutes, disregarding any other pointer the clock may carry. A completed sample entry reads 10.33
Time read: 4.51
